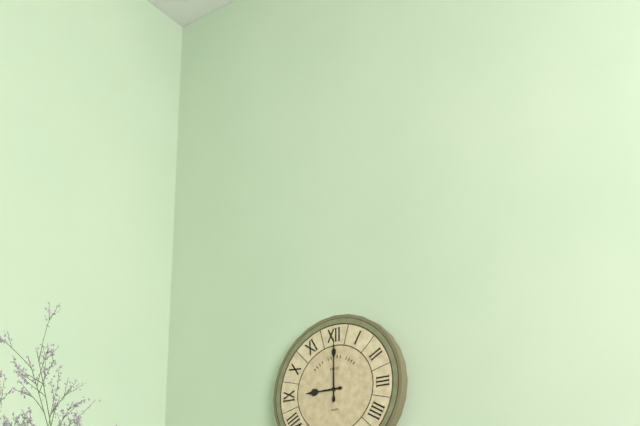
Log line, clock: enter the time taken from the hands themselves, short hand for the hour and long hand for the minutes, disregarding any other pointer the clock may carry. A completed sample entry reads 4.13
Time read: 9.00
